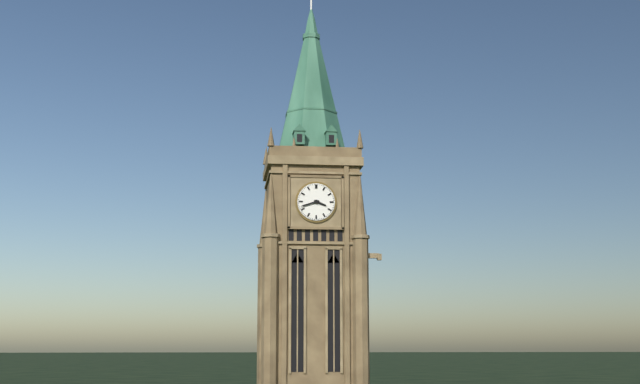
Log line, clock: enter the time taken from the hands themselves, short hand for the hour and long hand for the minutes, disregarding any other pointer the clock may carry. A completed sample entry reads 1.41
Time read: 3.42
